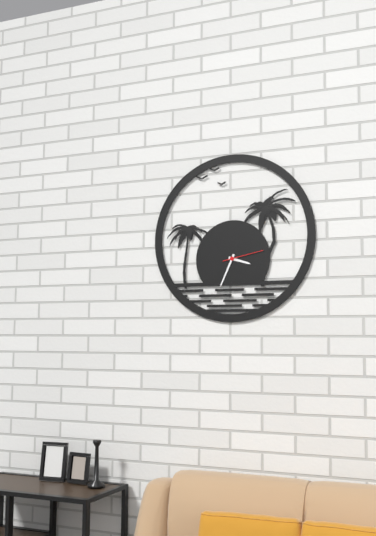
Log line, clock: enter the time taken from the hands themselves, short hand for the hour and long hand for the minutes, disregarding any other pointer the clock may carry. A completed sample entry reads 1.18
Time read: 3.34
